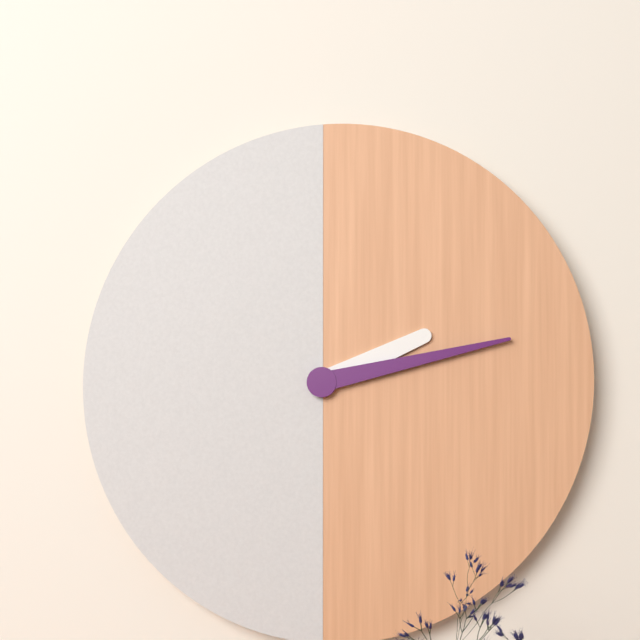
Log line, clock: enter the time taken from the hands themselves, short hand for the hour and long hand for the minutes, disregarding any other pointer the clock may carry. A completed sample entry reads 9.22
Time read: 2.13
